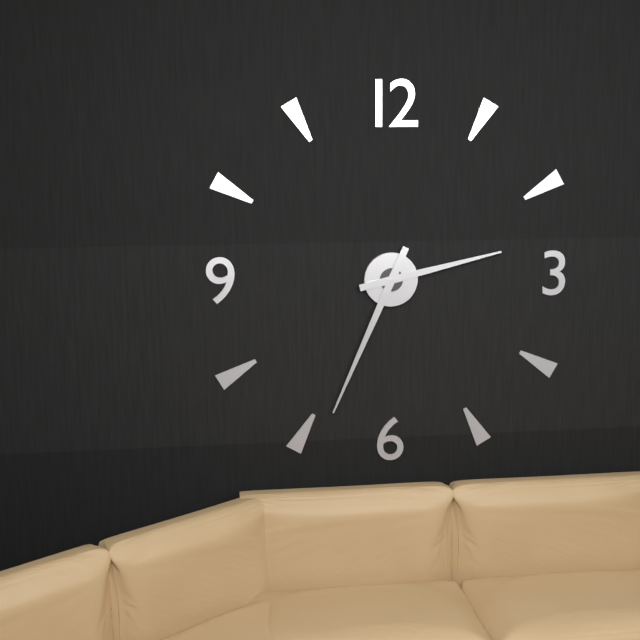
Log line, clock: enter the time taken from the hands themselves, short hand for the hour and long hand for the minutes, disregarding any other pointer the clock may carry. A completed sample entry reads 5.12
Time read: 2.34
